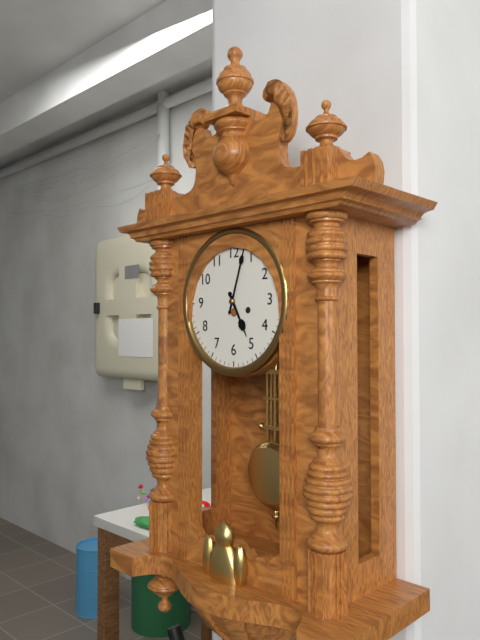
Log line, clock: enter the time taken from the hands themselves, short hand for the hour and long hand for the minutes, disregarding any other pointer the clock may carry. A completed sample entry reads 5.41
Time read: 5.03
